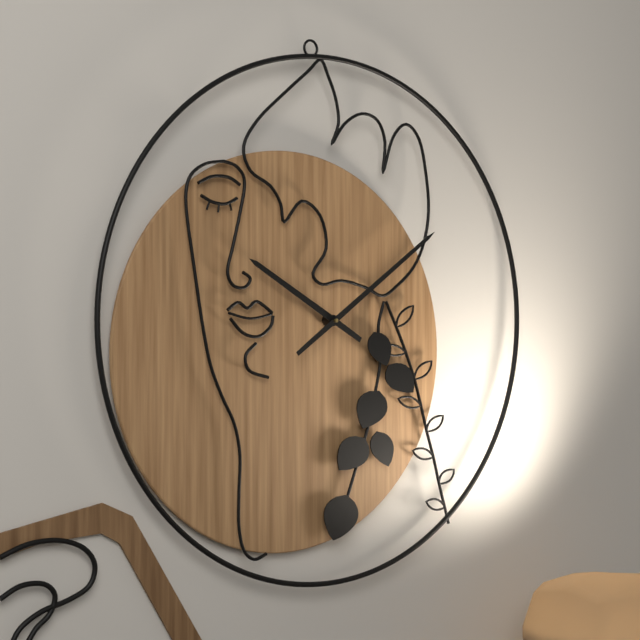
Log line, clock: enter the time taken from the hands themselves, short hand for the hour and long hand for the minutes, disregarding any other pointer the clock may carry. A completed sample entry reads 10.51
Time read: 10.10
